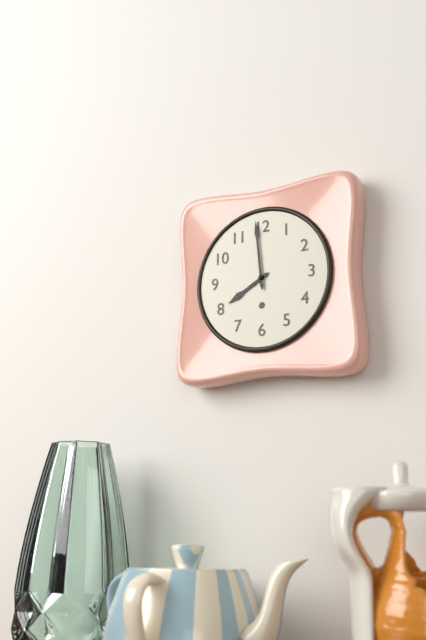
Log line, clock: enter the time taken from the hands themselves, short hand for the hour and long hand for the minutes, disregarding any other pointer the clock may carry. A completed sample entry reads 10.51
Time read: 7.59
